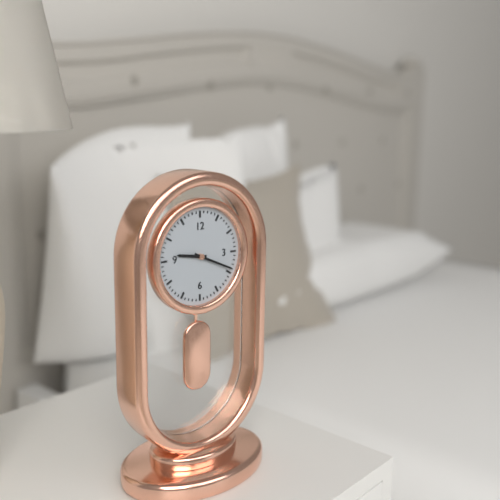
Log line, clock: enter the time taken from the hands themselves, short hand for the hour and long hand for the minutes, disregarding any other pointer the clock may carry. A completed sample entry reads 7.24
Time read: 9.19
